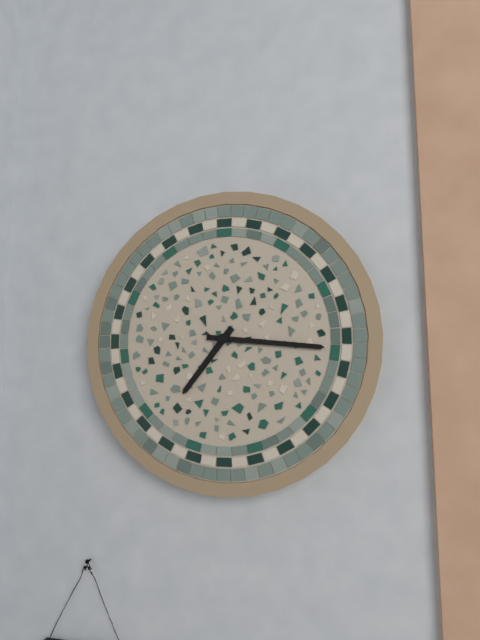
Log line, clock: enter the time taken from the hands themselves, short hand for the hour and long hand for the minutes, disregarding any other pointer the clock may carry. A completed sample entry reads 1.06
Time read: 7.16
